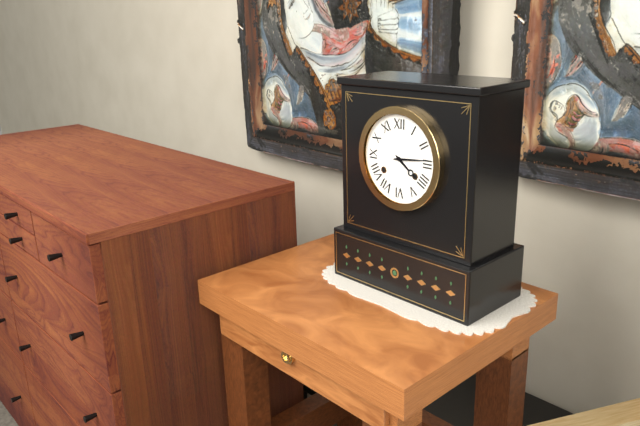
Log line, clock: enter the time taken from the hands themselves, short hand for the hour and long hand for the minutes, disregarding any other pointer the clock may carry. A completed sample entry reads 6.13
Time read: 4.14
